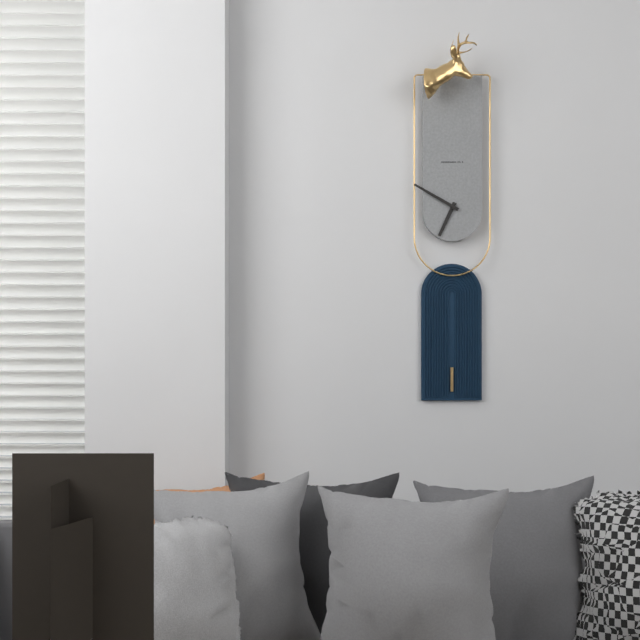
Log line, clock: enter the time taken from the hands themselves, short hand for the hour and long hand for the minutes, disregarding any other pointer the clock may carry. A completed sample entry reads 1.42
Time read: 6.50
